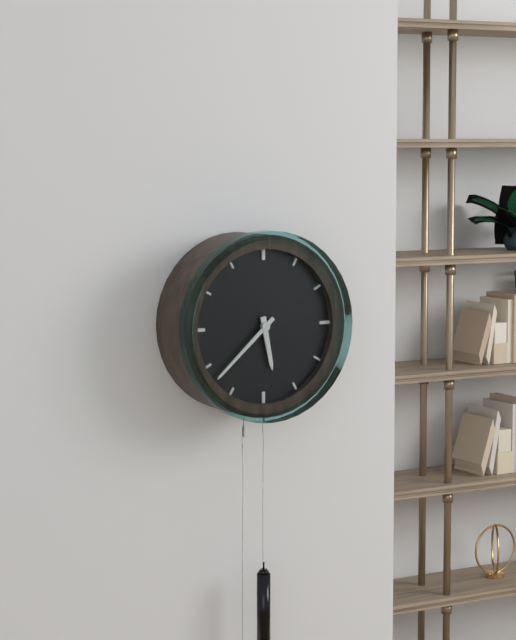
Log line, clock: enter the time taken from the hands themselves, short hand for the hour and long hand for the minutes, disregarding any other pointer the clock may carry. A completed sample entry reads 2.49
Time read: 5.38
